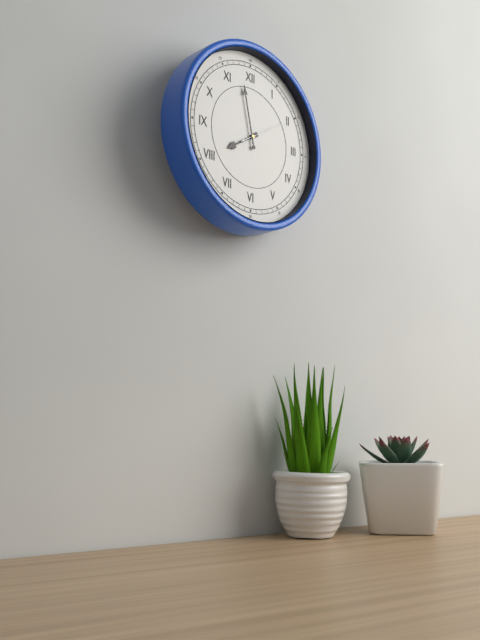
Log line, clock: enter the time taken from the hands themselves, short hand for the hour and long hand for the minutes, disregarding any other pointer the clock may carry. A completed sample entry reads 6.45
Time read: 7.58
